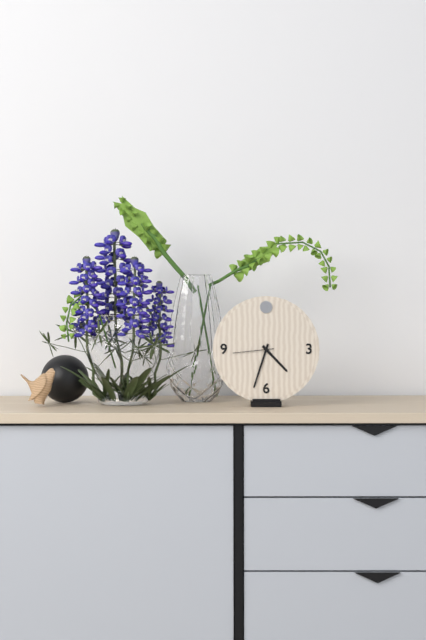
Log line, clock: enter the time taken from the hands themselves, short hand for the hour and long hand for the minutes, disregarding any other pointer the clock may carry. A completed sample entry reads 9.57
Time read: 4.33
